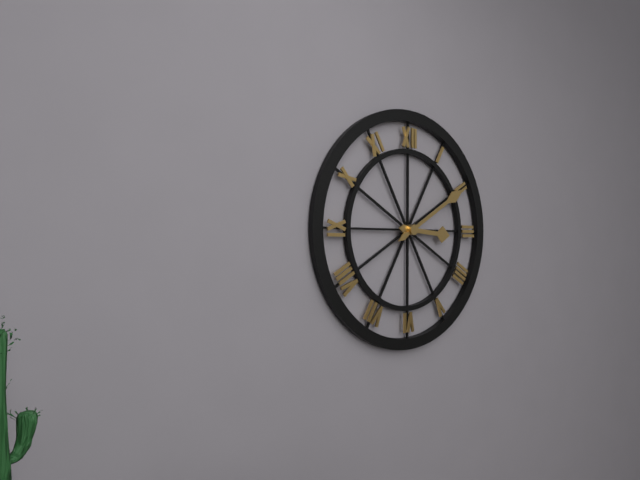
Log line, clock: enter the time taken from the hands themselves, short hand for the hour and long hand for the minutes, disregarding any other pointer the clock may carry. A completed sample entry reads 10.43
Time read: 3.10
